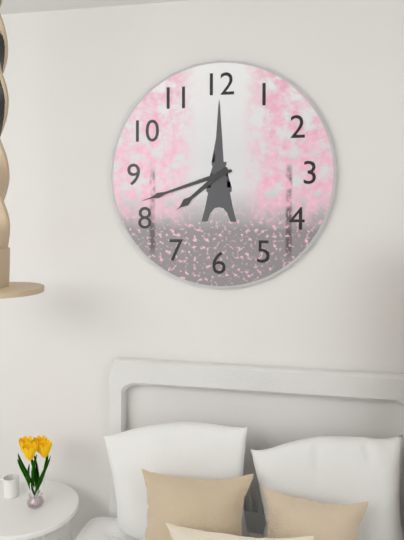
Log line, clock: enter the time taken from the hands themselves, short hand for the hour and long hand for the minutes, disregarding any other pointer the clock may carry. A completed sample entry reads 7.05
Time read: 7.42
